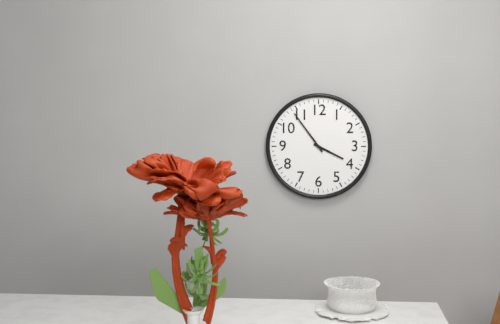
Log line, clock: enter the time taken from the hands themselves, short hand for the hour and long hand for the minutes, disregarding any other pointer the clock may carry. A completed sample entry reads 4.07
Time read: 3.54
